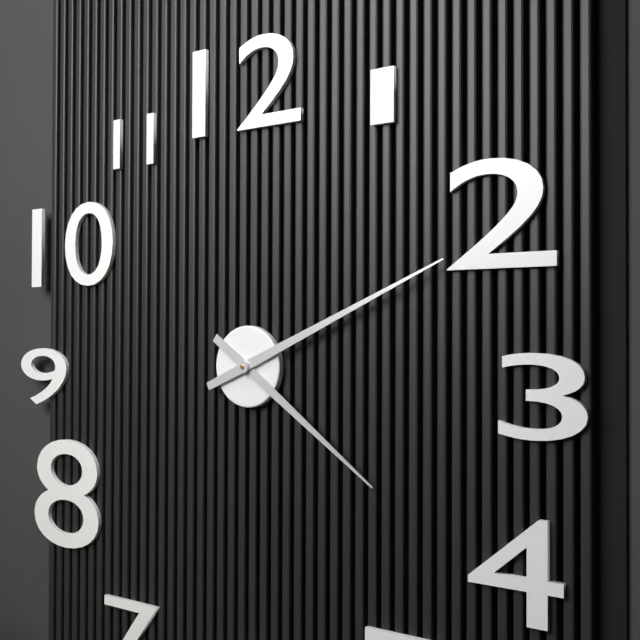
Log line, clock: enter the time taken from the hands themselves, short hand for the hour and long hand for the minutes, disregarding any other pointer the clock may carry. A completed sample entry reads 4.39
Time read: 4.11
